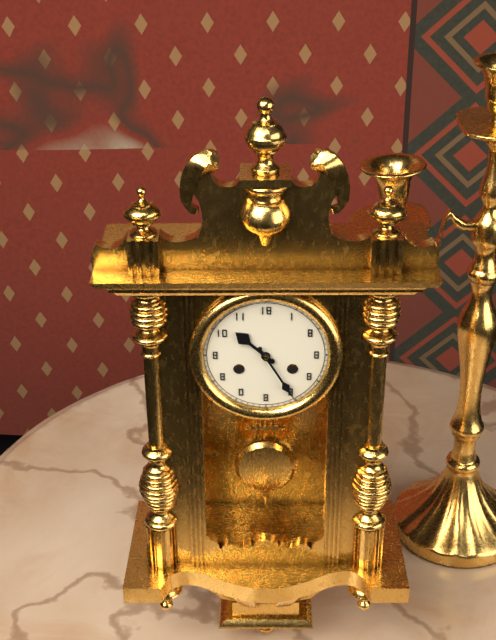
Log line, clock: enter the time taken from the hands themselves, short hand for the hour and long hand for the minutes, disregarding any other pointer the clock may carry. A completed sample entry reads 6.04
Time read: 10.25
